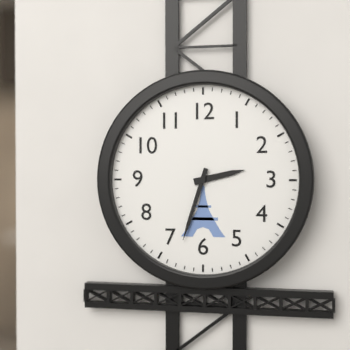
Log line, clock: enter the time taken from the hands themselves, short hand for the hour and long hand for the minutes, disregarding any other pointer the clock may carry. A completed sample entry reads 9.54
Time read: 2.33
